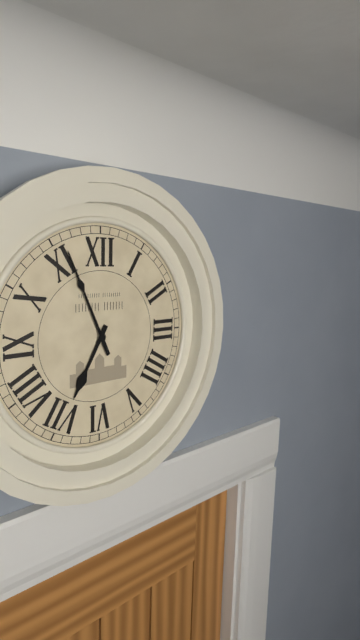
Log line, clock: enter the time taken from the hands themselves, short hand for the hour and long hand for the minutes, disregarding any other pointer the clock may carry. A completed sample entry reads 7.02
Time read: 6.56
